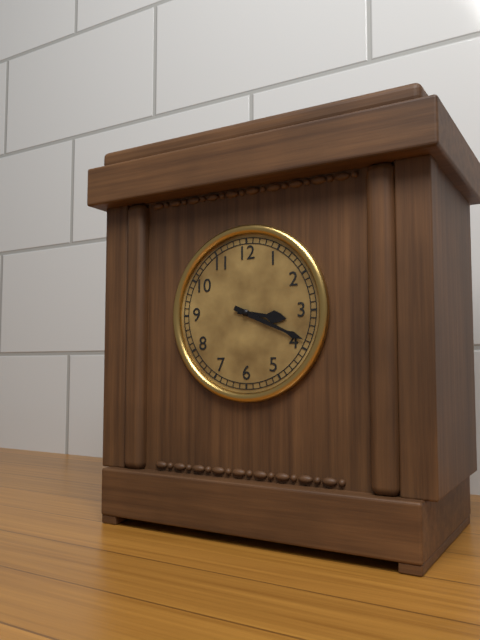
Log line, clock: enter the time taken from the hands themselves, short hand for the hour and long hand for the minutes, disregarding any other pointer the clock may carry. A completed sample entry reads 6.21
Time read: 3.19
